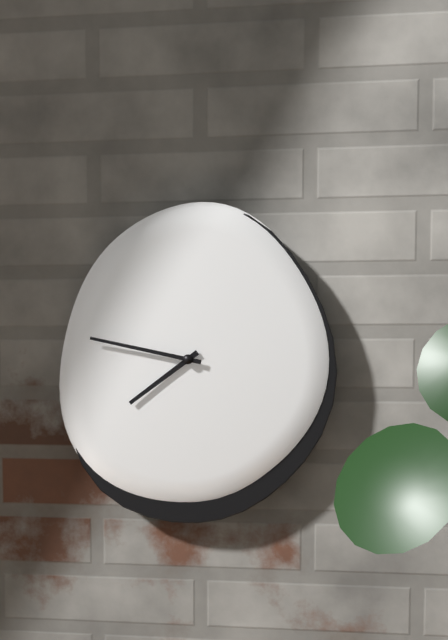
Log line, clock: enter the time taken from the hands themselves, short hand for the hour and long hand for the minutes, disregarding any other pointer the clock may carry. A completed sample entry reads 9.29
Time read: 7.47
